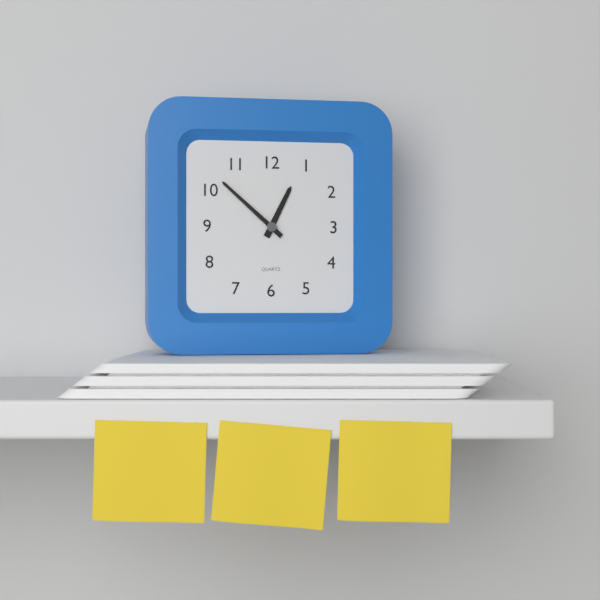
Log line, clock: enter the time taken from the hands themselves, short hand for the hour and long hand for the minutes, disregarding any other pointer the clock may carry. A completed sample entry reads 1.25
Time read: 12.52
